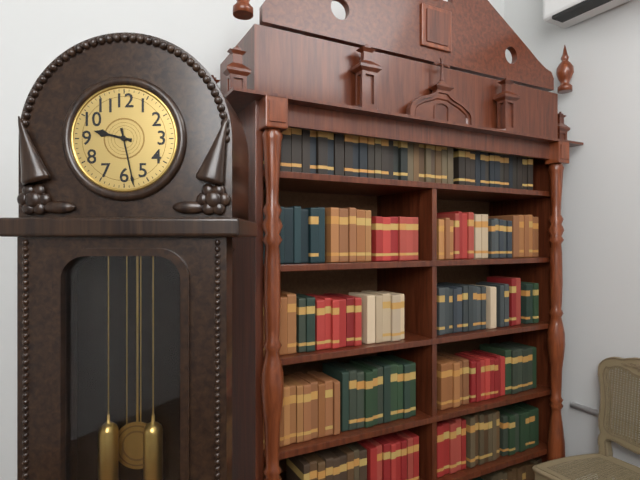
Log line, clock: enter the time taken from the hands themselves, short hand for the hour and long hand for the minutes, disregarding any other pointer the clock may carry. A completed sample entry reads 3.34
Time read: 9.28
